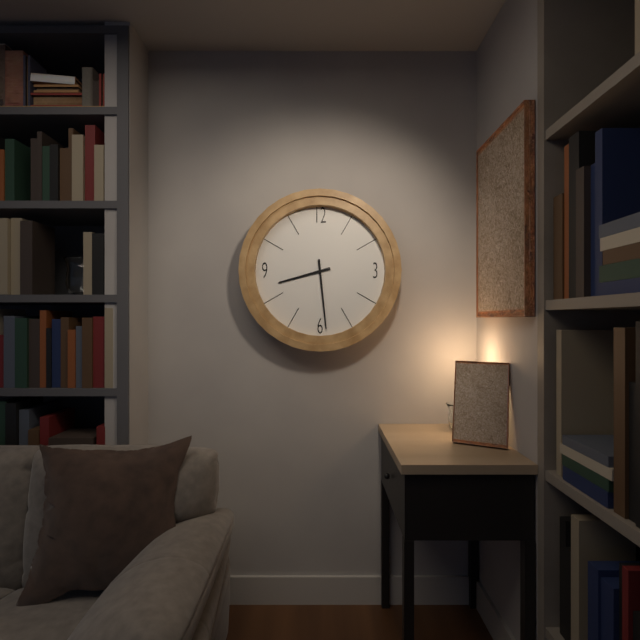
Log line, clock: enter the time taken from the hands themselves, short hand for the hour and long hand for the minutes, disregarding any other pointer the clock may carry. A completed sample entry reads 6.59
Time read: 8.29
